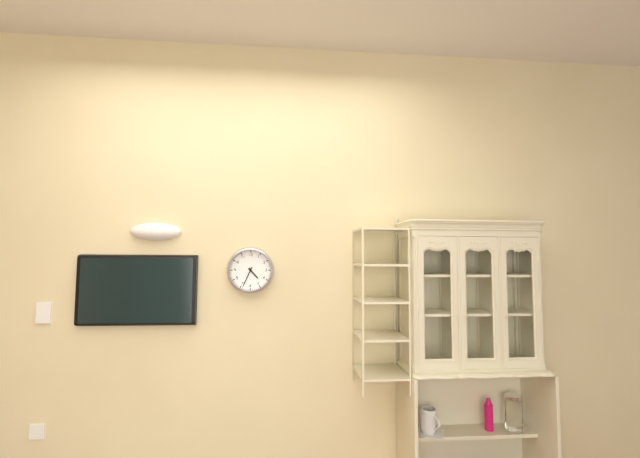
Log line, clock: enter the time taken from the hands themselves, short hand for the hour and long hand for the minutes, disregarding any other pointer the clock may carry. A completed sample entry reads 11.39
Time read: 4.34
